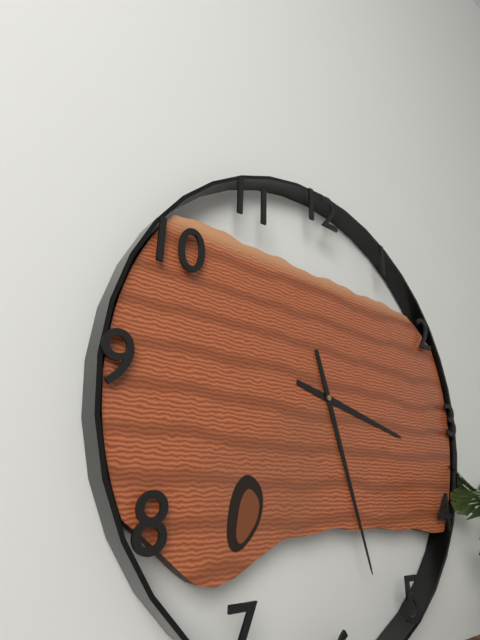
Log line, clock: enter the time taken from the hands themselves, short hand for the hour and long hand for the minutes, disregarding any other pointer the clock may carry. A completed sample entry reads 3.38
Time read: 3.27
